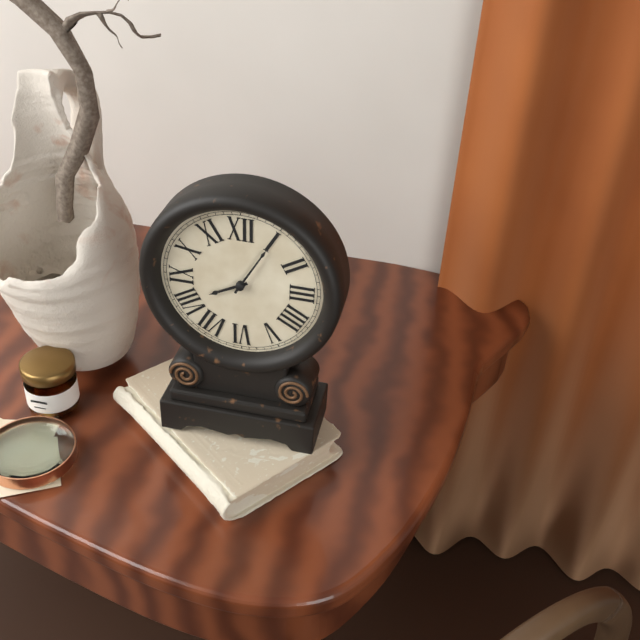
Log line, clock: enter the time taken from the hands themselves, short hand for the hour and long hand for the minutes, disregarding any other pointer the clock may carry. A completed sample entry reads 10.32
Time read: 8.05
